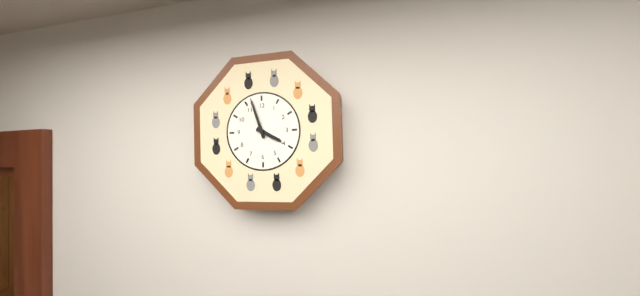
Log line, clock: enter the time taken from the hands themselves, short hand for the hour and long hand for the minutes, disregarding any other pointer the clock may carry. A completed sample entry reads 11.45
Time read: 3.57
